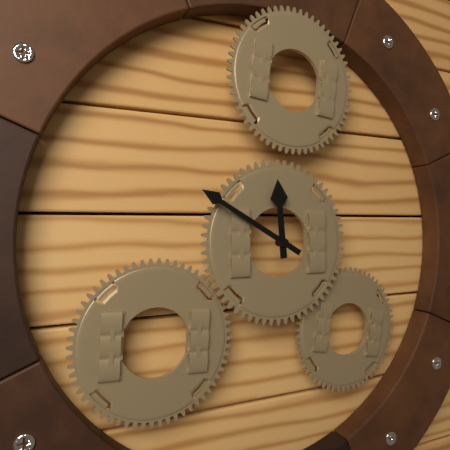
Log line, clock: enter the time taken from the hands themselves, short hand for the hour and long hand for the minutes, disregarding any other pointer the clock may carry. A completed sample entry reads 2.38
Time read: 11.50
